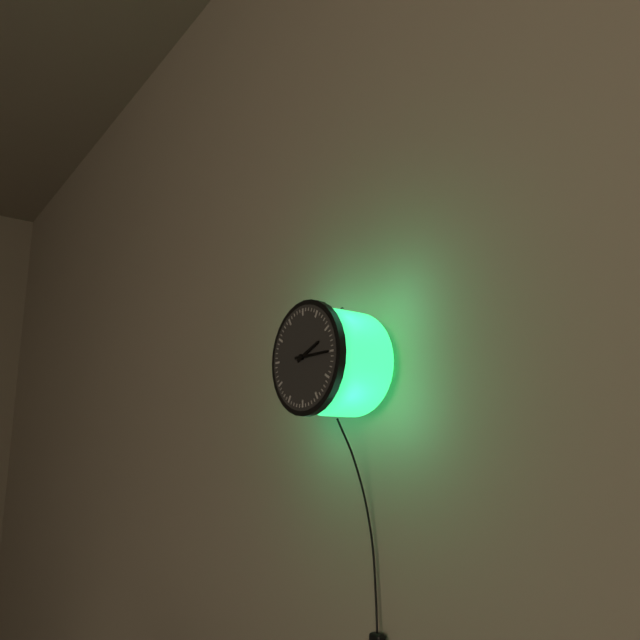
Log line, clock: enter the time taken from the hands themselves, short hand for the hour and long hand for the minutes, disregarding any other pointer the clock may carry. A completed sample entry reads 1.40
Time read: 2.15
